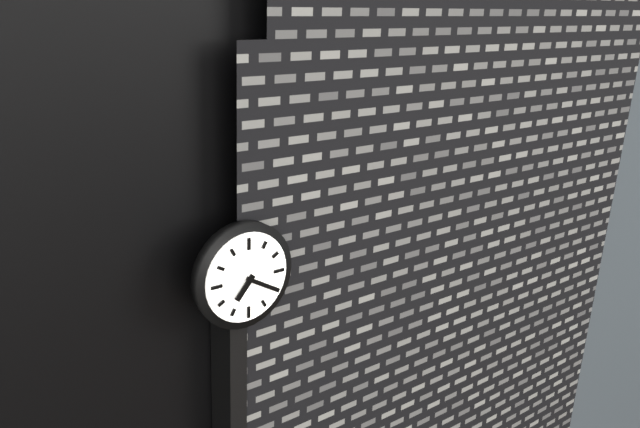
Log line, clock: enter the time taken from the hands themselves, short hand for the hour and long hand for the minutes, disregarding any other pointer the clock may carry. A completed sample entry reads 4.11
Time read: 7.20
